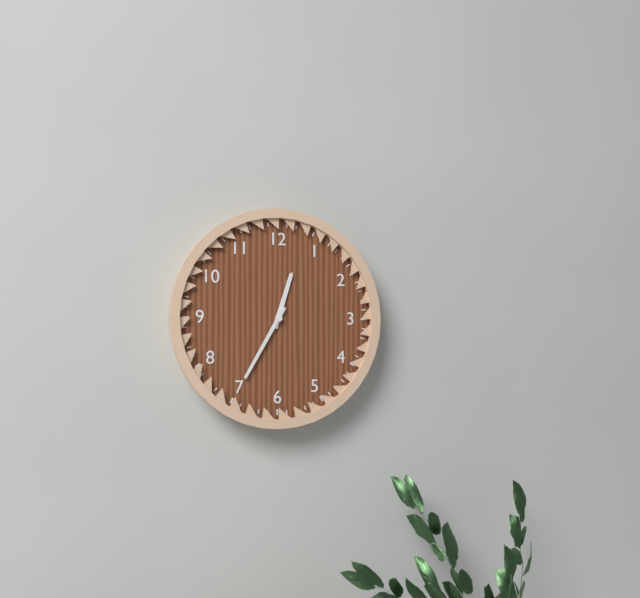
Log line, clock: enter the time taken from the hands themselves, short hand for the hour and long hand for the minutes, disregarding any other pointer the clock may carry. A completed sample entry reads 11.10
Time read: 12.35
